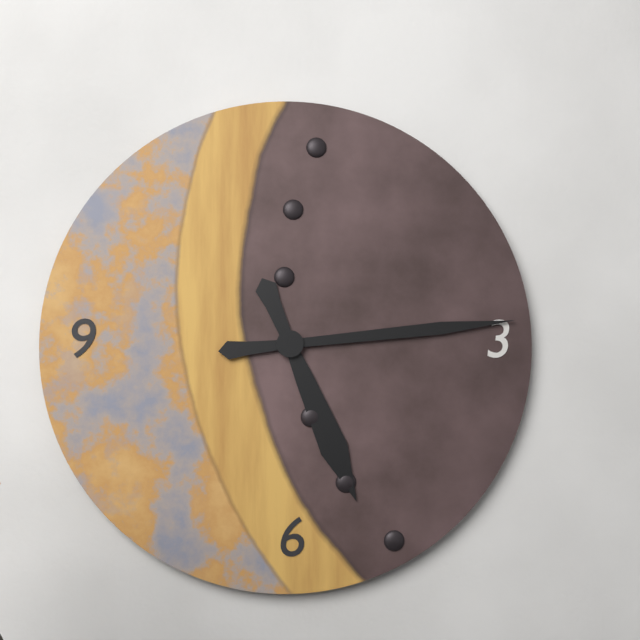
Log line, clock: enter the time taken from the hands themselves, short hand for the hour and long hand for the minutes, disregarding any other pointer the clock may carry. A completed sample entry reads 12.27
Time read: 5.14
